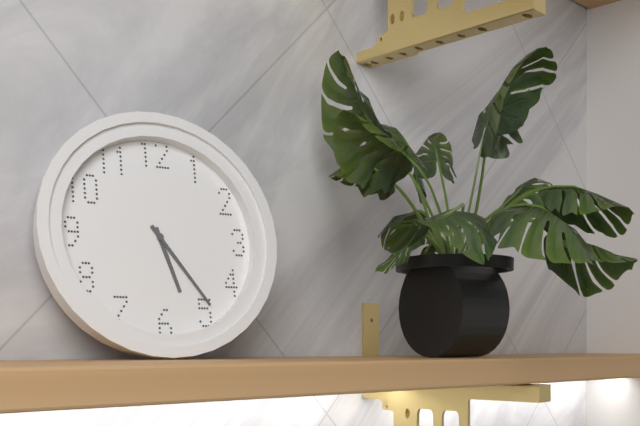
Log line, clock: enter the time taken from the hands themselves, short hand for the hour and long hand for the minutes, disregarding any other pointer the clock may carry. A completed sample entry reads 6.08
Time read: 5.24
